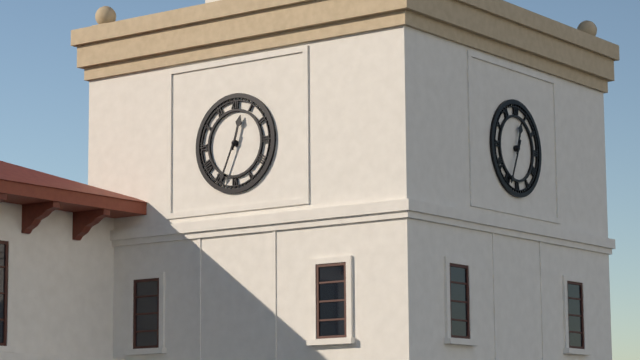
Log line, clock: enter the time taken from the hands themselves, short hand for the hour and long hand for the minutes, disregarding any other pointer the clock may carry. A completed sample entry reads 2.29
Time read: 12.34
